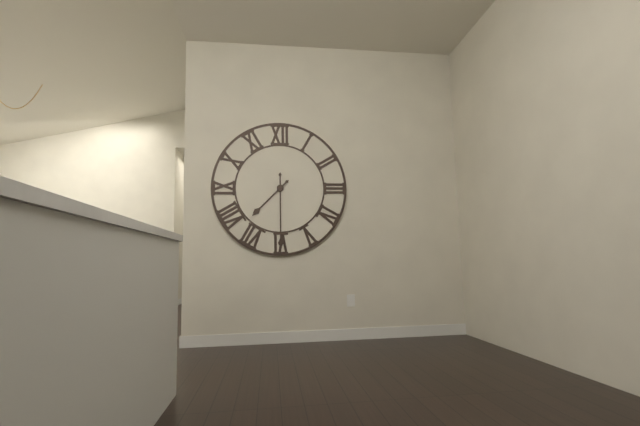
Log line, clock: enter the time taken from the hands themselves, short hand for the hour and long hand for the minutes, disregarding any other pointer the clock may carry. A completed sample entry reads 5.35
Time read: 7.30
